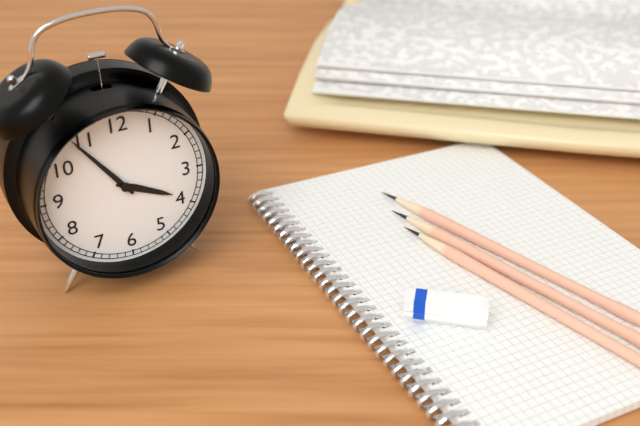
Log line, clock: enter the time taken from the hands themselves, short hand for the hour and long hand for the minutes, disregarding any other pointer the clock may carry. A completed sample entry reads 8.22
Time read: 3.54
